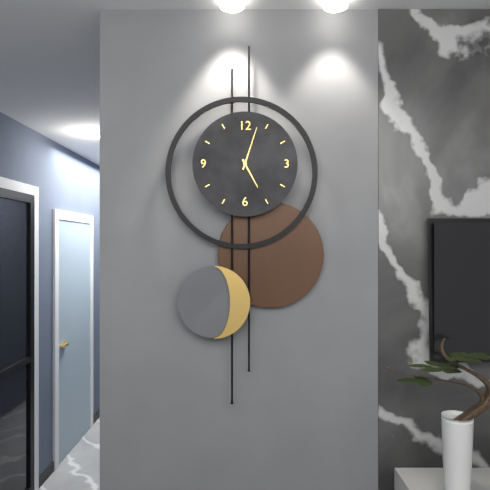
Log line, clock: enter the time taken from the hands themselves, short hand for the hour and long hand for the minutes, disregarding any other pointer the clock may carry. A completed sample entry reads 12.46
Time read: 5.03
